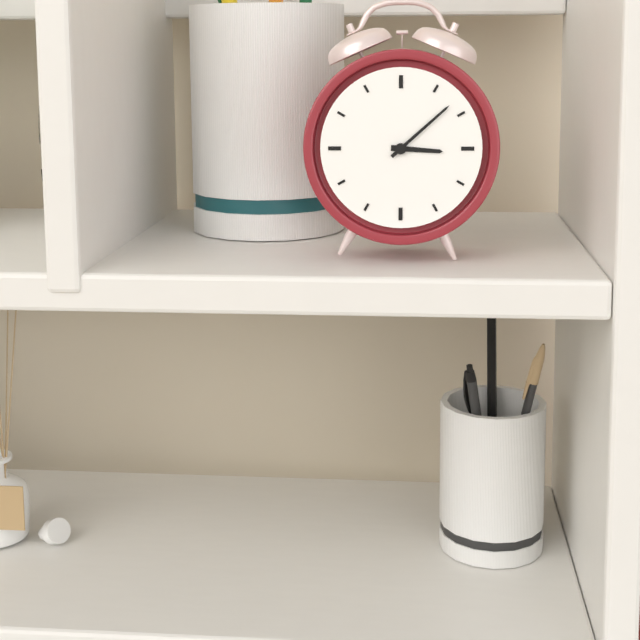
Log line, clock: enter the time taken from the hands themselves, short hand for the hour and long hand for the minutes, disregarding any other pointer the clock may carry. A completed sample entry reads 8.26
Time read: 3.08
